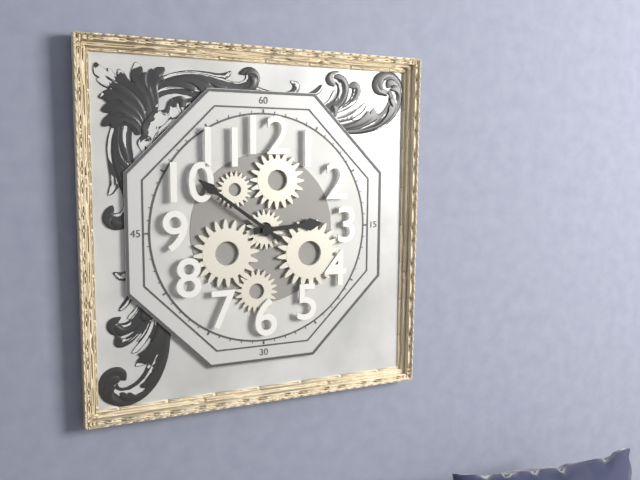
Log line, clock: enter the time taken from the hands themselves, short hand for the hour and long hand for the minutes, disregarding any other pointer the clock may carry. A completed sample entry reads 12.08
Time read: 2.51
